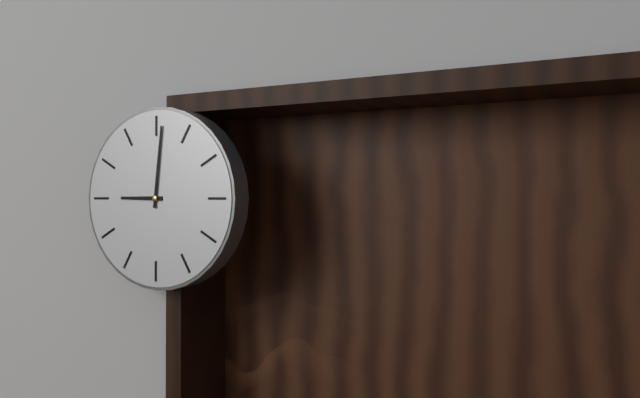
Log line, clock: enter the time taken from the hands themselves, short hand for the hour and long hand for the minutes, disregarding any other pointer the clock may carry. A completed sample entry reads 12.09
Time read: 9.01
